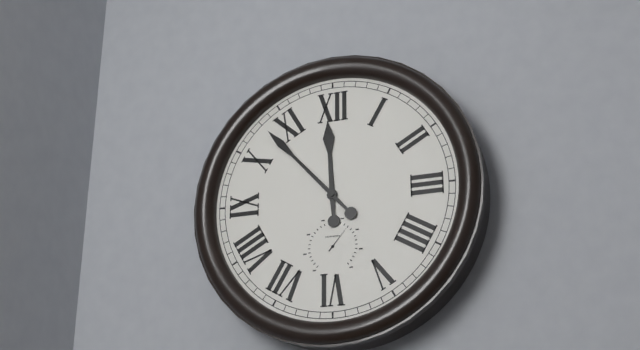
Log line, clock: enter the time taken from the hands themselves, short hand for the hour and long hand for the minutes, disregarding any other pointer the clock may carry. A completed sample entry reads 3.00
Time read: 11.53
